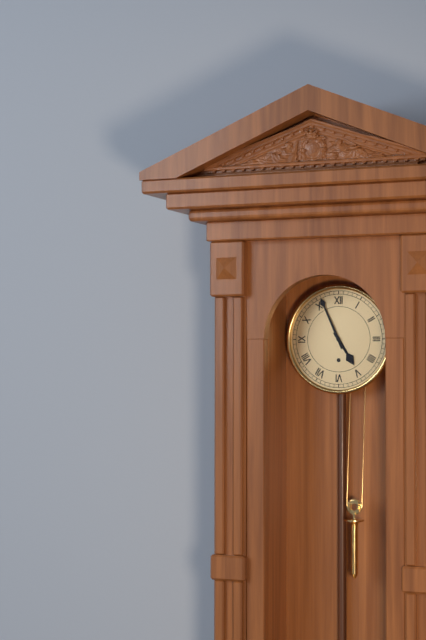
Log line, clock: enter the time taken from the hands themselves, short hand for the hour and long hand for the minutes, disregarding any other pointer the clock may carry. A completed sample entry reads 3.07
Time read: 4.56
